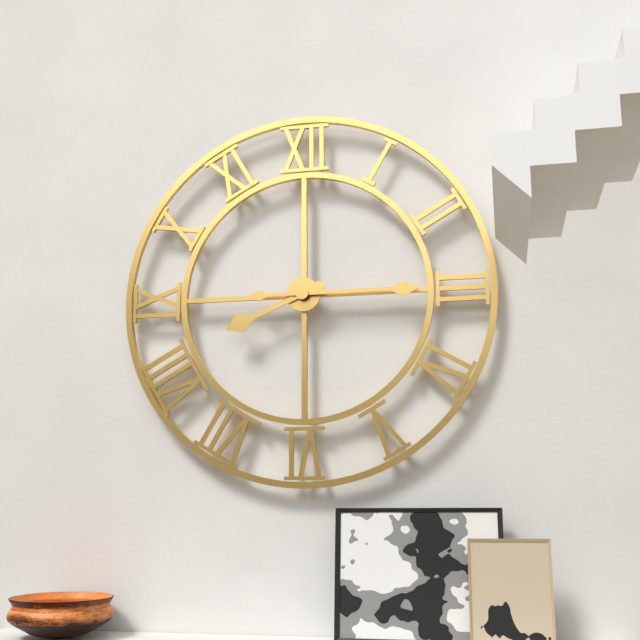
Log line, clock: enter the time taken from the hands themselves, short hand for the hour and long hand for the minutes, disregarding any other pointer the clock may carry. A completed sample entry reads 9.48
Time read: 8.15
